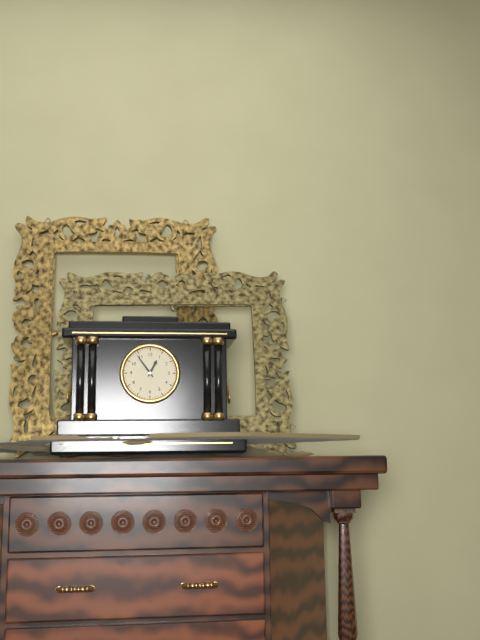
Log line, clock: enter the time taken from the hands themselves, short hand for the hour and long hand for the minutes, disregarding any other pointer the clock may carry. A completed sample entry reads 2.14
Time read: 12.54
